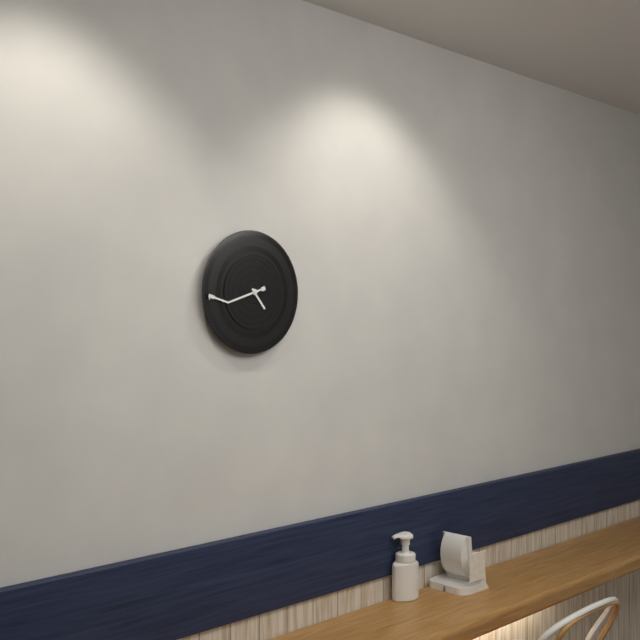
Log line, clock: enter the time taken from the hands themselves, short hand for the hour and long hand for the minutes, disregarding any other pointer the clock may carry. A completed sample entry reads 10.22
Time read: 4.42
